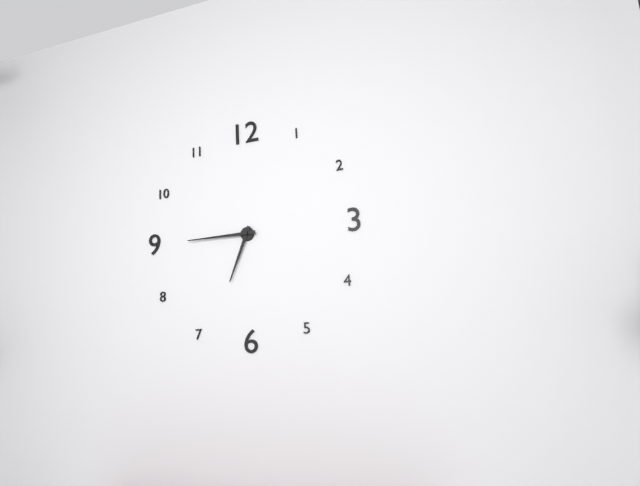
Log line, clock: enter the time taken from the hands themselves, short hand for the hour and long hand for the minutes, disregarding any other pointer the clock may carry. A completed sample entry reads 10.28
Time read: 6.45
